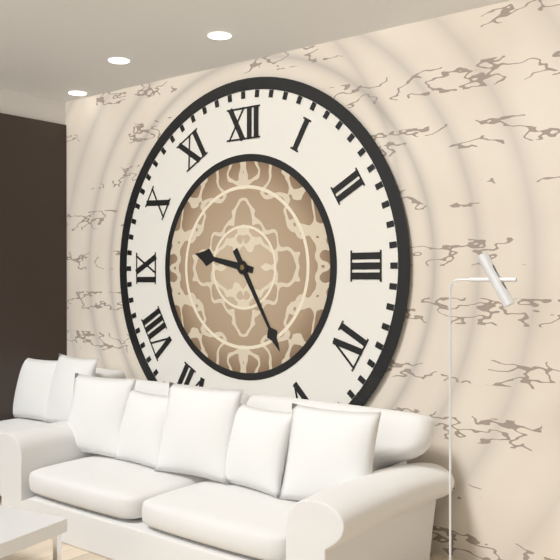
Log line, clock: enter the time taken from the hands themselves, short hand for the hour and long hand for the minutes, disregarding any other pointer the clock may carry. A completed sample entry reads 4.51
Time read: 9.25
